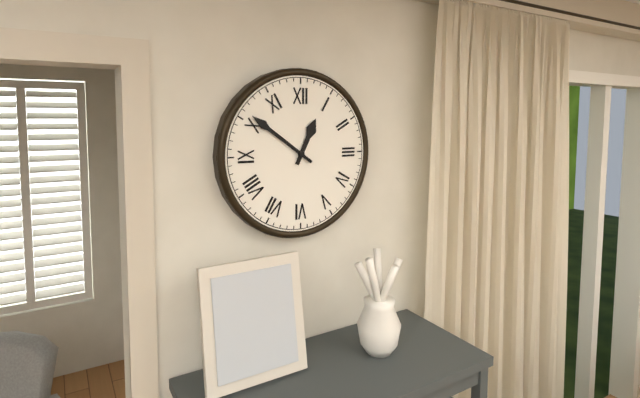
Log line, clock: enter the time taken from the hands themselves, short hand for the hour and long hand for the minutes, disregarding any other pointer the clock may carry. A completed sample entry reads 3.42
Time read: 12.51
